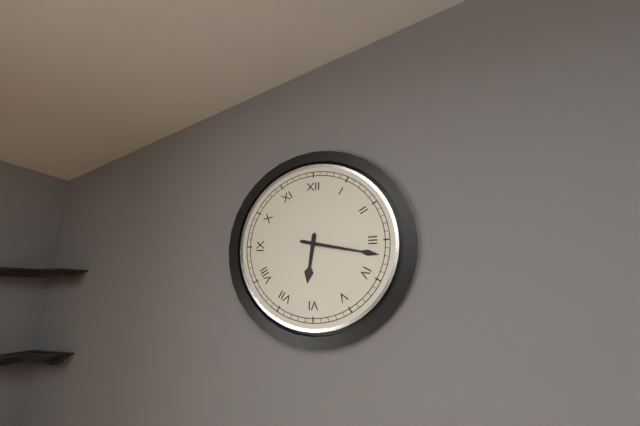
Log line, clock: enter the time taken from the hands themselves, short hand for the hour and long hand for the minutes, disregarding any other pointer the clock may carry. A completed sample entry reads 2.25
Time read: 6.17
